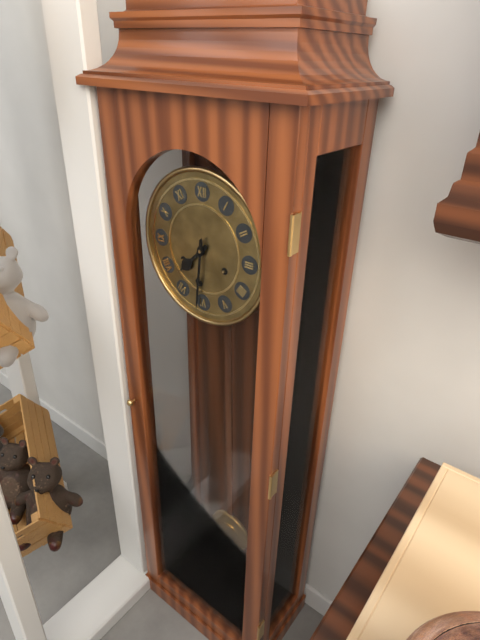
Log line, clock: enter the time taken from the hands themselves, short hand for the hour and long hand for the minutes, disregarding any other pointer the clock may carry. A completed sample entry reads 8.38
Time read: 7.31
